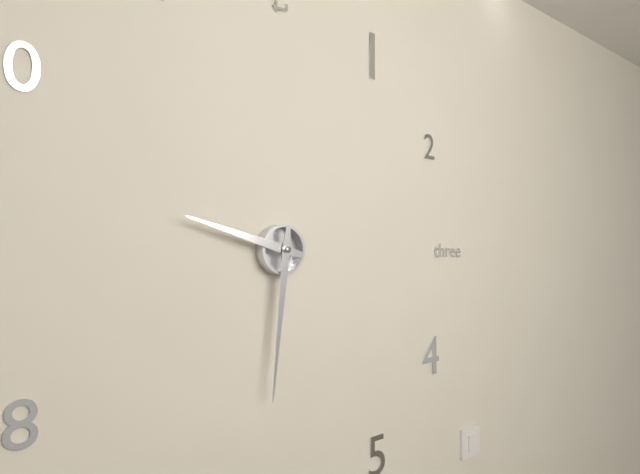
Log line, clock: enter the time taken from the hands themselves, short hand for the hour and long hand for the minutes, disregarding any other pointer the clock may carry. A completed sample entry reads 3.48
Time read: 9.31
